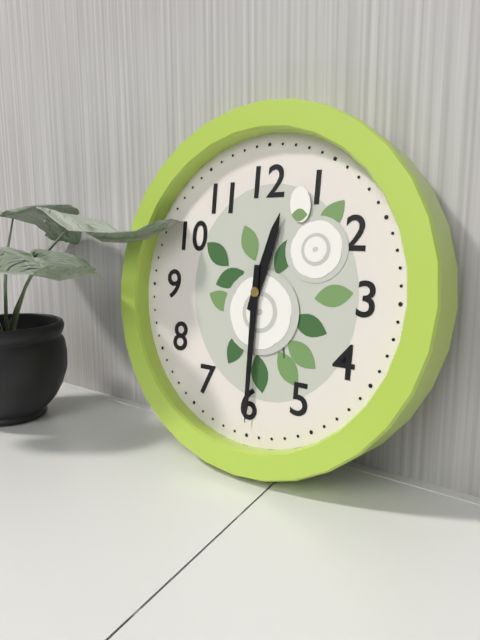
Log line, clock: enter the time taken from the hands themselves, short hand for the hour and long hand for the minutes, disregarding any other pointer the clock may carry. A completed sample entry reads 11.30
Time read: 12.30
